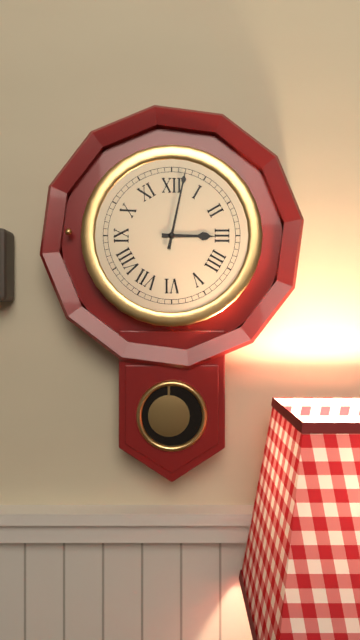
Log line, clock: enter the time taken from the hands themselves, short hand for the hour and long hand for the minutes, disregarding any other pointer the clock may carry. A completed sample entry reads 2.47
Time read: 3.02
